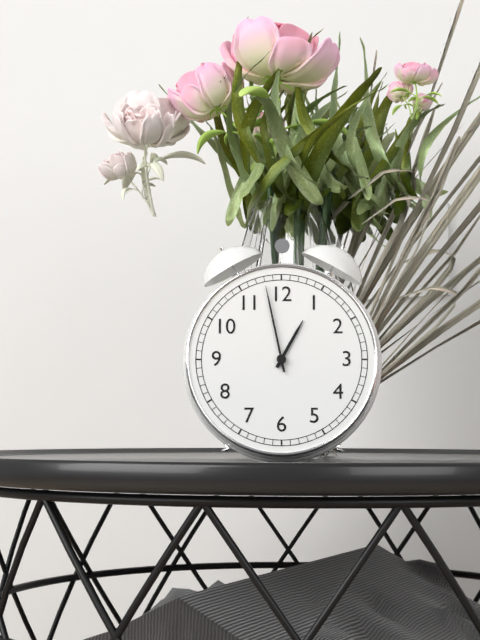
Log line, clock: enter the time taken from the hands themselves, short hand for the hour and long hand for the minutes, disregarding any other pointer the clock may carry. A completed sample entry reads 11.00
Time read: 12.58
